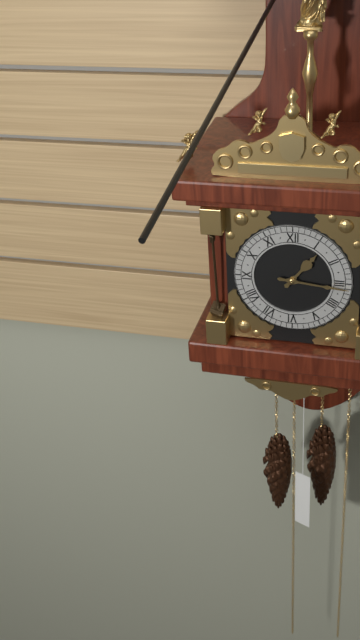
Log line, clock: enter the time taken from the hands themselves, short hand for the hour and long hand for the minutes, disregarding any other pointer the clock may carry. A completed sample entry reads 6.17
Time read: 1.16
